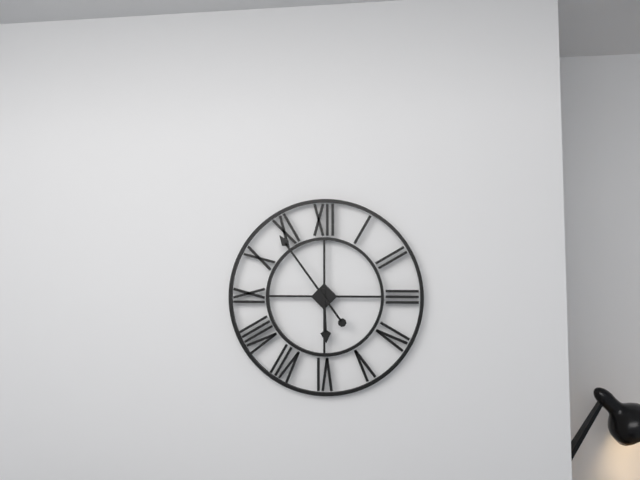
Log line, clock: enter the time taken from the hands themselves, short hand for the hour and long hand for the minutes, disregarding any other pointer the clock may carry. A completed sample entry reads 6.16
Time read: 5.54
